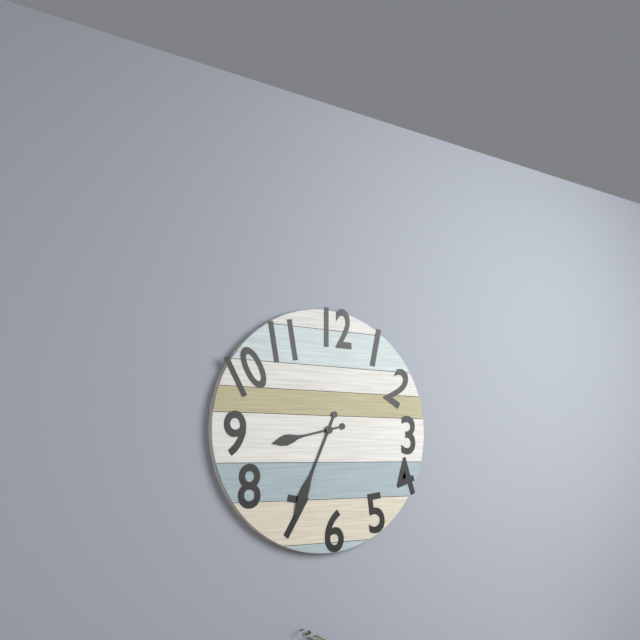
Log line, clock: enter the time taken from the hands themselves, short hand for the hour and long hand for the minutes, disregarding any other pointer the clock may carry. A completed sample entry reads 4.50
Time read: 8.34
